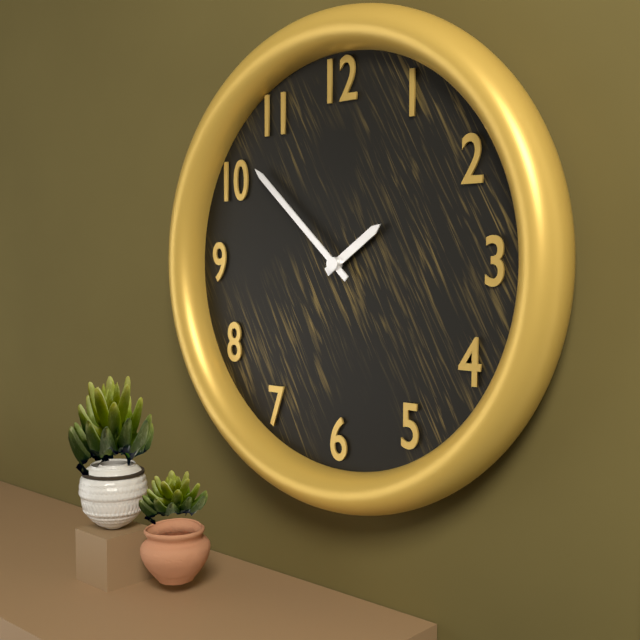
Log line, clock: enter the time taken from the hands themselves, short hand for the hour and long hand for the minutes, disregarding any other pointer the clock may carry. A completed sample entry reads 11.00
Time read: 1.52
